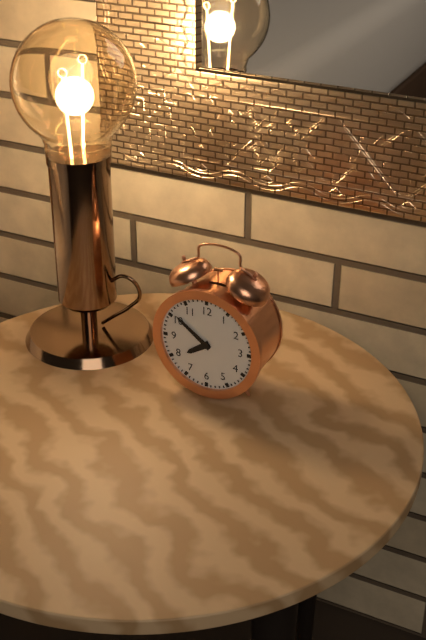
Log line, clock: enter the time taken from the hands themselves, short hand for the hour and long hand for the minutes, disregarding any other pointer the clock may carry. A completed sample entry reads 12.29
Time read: 7.51
